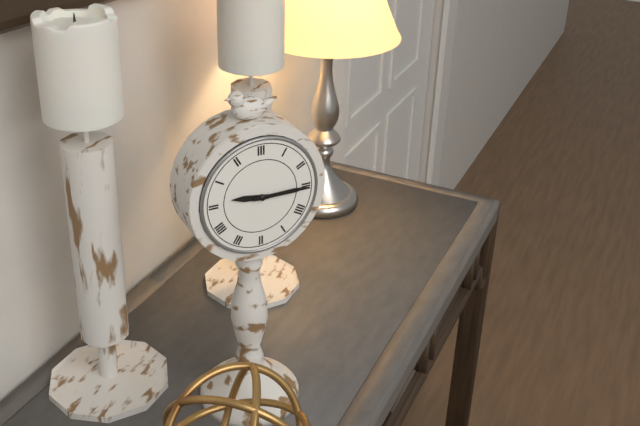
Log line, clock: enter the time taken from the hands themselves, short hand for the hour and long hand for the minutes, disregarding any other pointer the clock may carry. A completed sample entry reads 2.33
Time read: 9.15
